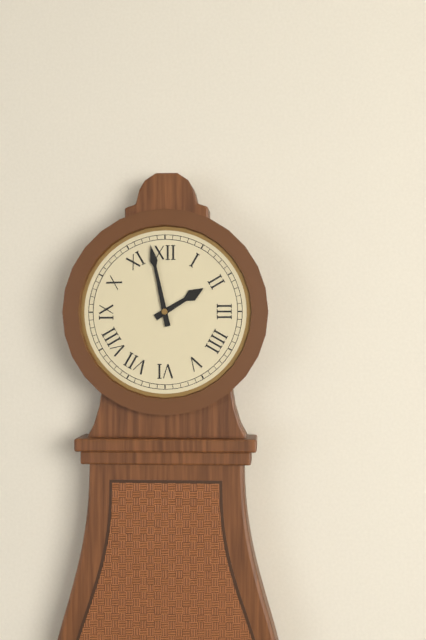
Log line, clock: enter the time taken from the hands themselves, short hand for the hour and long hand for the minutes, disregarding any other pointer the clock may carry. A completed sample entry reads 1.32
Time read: 1.58
